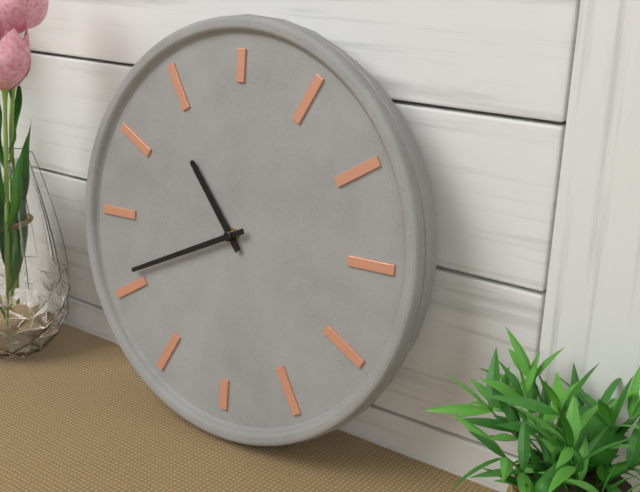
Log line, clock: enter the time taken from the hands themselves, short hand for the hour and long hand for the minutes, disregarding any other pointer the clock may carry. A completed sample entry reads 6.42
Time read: 10.41
